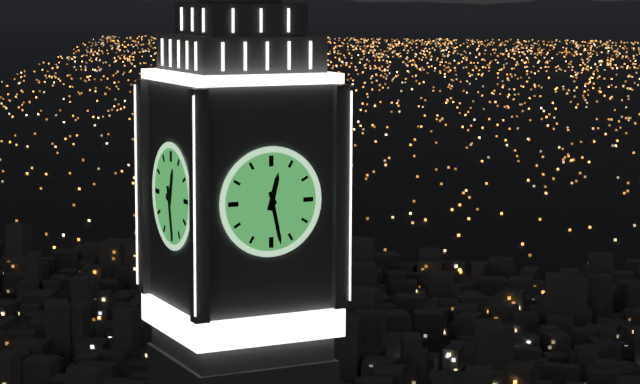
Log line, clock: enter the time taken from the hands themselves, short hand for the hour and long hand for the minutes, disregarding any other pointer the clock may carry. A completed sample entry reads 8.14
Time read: 12.28
